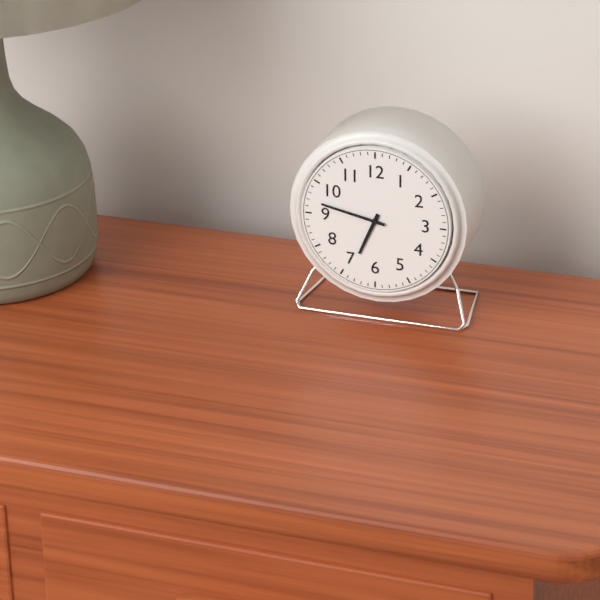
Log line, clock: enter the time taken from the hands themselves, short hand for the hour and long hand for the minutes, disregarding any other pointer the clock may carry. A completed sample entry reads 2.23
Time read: 6.47
